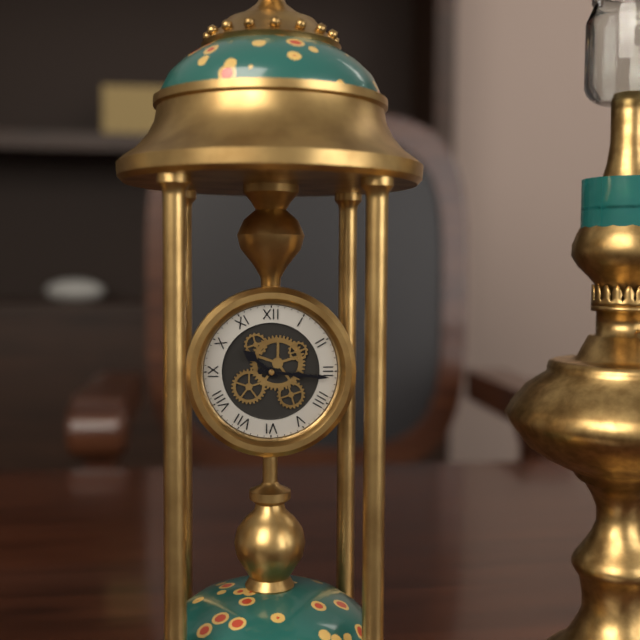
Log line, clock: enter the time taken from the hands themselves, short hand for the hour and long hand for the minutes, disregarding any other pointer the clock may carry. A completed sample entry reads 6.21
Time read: 10.16
